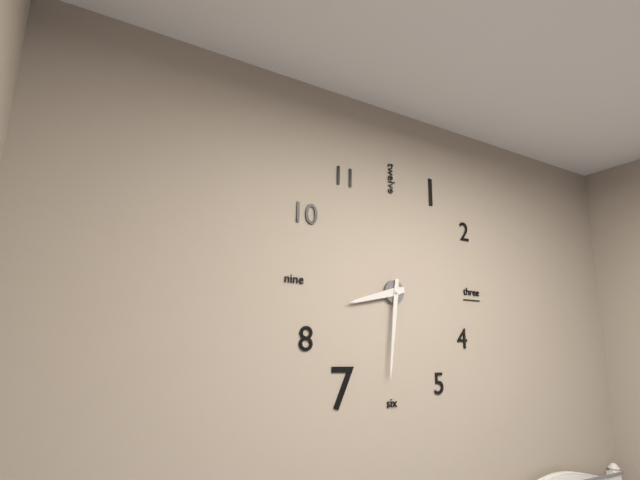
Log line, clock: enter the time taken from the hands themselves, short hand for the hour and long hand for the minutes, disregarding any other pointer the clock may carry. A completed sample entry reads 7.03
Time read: 8.31
